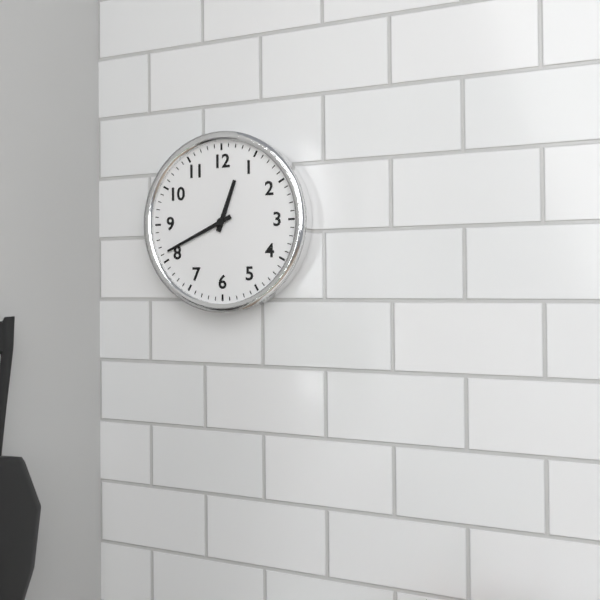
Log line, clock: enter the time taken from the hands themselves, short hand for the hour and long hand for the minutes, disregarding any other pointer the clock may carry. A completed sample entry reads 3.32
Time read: 12.41
